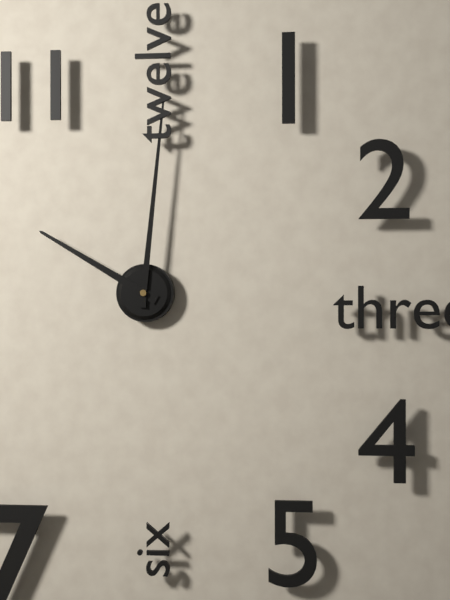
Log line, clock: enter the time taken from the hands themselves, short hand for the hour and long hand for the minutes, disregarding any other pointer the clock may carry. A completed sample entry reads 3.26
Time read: 10.01
